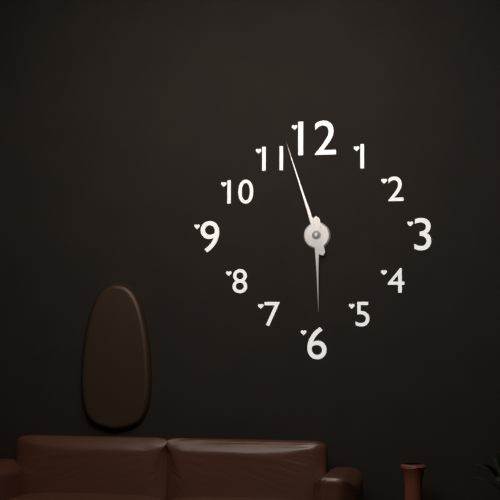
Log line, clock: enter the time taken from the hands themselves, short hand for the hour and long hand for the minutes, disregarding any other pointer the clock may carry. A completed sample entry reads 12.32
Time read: 5.57
